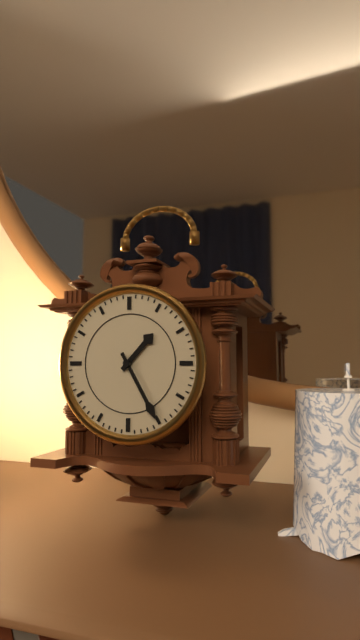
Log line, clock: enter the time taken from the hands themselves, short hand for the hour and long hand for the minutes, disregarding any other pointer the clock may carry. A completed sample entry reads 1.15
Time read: 1.25
